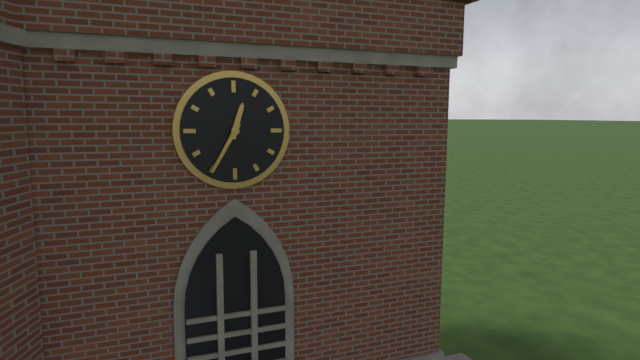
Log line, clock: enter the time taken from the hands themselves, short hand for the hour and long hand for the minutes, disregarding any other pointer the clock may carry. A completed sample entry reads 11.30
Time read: 12.35
